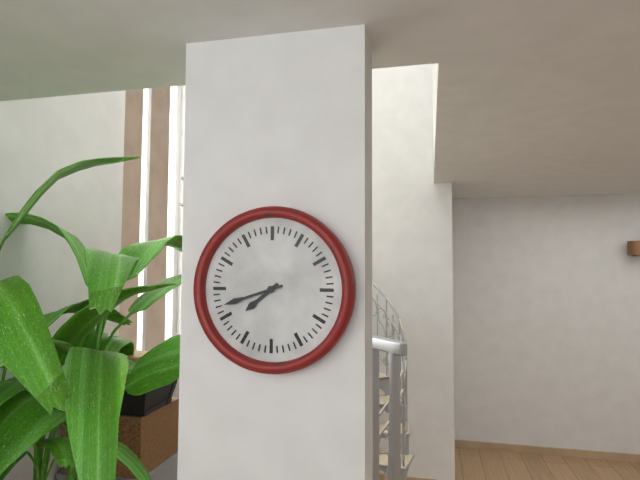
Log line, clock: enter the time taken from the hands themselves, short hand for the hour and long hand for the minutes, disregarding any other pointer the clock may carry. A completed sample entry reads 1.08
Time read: 7.42
